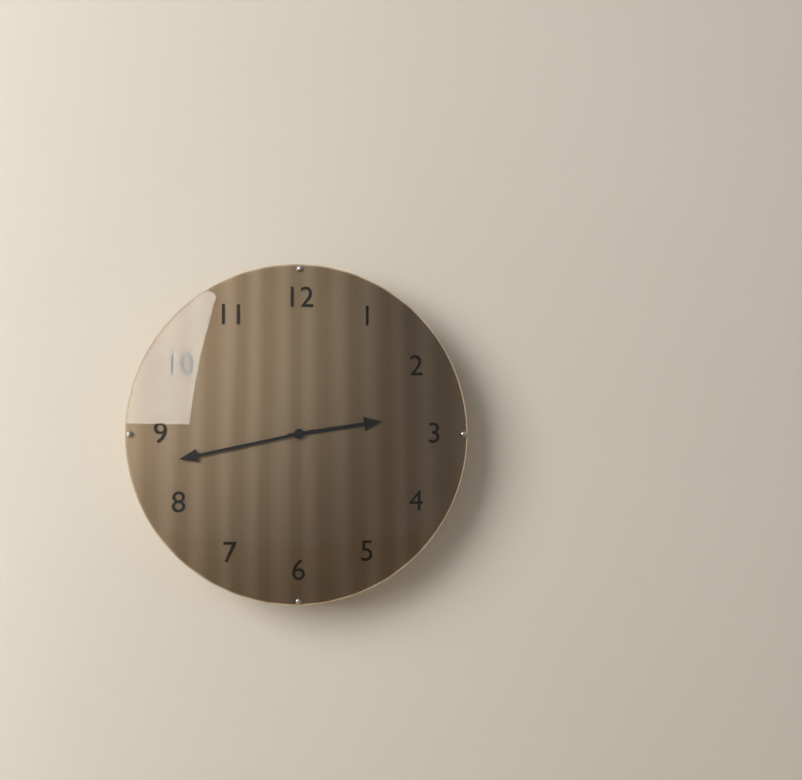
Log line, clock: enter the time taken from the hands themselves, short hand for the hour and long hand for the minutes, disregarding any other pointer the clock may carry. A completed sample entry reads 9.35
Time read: 2.43
